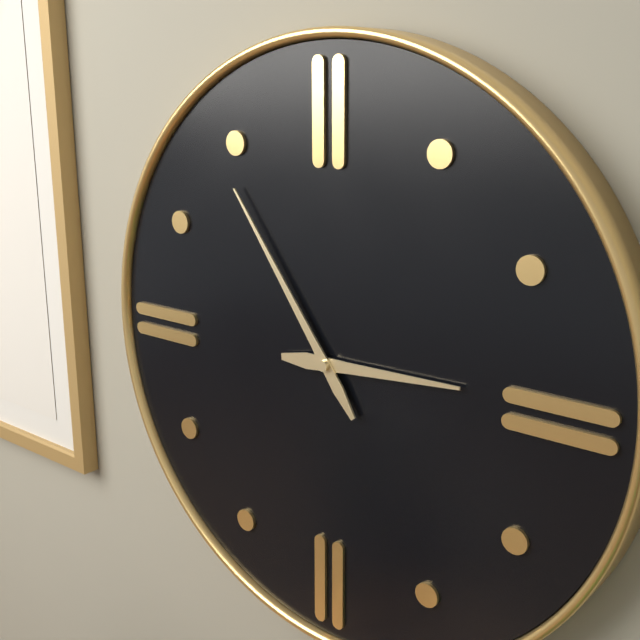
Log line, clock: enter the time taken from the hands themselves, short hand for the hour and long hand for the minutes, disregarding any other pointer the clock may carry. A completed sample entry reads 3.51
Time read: 2.54
